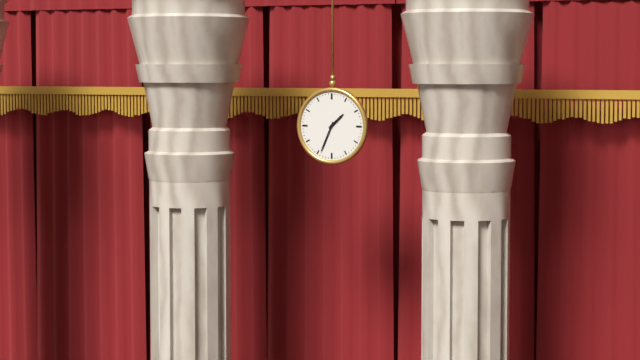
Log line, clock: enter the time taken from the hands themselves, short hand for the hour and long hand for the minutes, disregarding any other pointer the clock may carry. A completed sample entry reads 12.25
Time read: 1.34
